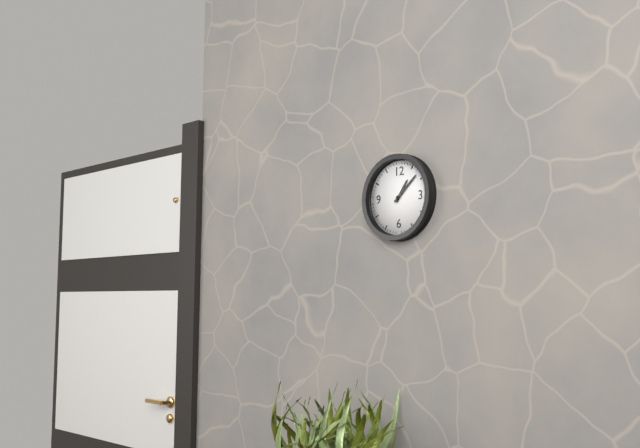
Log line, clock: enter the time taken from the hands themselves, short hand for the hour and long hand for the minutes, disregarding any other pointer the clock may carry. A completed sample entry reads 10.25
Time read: 1.08
